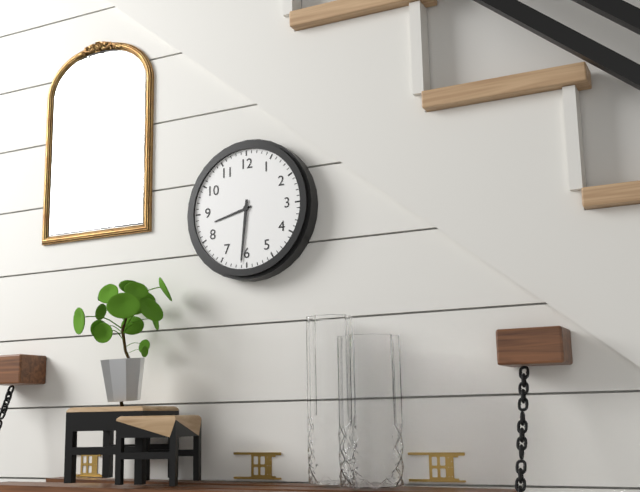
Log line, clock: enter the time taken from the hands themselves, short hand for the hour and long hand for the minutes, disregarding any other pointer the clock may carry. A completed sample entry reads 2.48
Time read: 8.31
